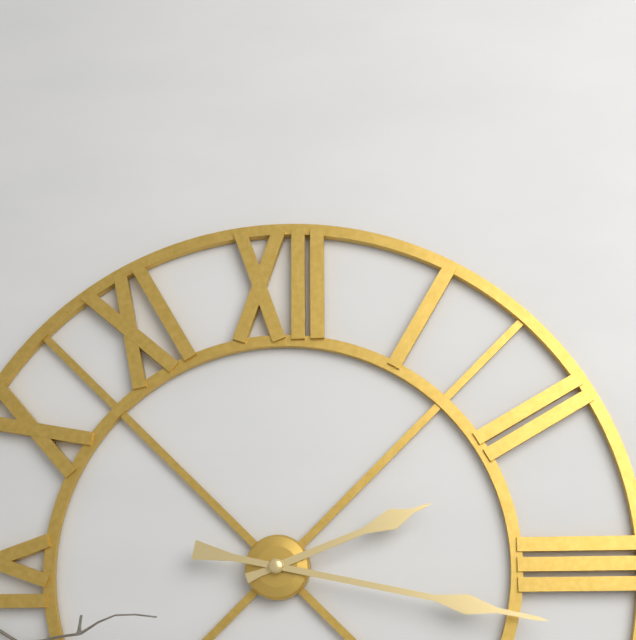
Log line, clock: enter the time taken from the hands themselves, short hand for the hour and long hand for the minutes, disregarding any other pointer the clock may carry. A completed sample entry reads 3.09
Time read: 2.17
